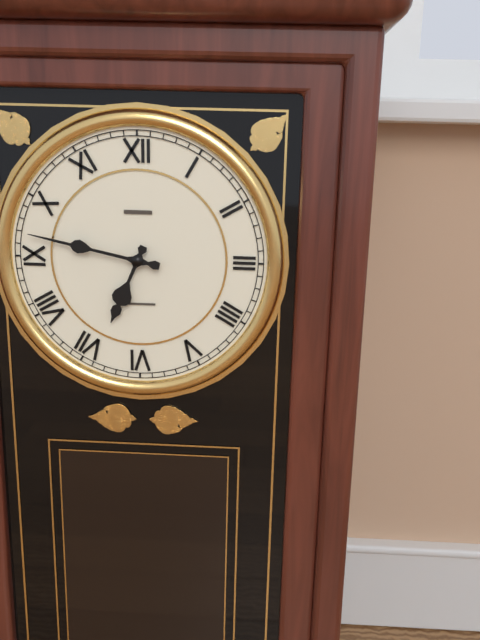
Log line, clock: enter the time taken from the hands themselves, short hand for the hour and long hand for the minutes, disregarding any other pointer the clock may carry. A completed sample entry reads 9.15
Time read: 6.47
